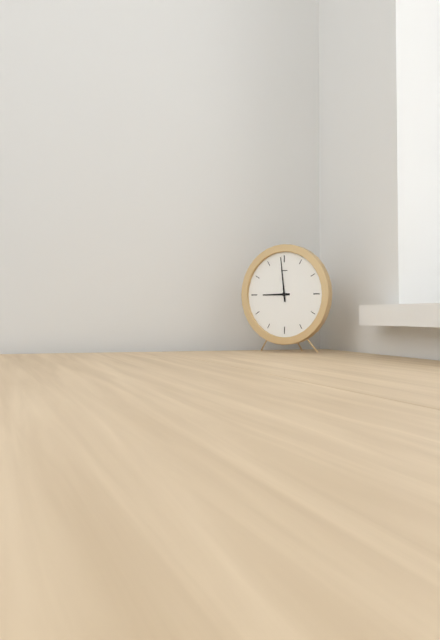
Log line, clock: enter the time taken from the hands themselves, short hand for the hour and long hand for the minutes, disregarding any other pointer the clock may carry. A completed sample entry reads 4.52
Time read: 8.59
